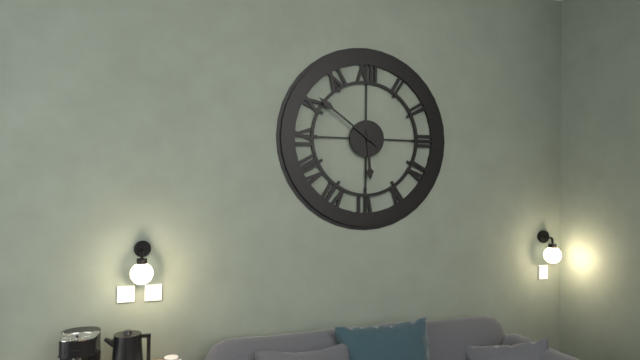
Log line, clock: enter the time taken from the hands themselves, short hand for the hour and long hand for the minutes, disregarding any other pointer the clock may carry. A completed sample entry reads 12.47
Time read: 5.51
